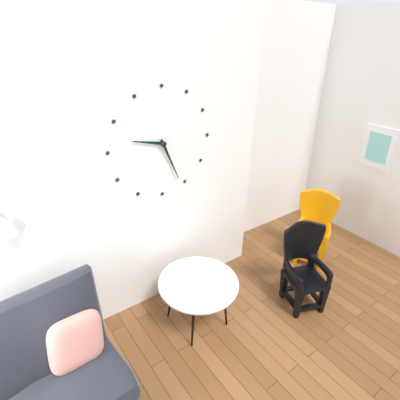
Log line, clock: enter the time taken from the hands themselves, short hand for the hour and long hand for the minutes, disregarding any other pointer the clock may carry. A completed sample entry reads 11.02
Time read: 9.26
